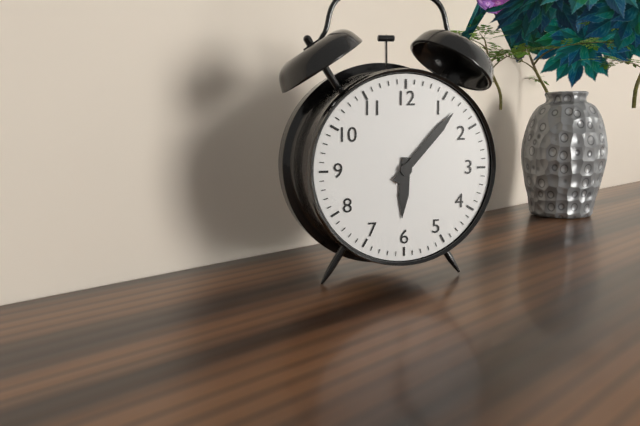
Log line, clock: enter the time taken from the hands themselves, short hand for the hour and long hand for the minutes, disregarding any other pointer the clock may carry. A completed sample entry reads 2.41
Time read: 6.07
